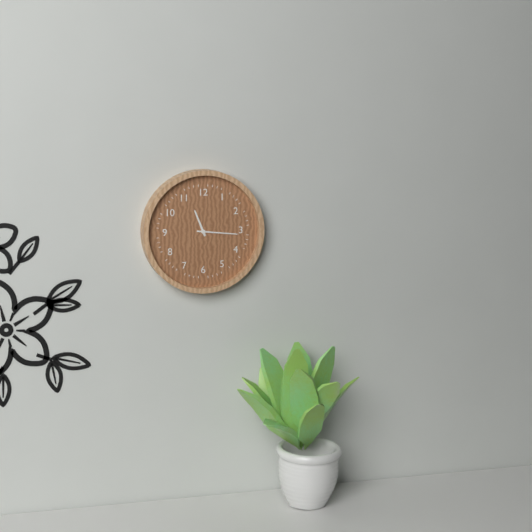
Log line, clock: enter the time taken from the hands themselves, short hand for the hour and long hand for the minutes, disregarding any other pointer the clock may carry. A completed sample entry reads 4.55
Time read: 11.16
